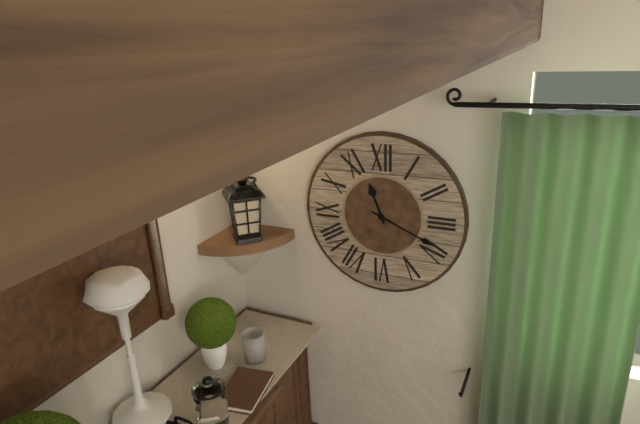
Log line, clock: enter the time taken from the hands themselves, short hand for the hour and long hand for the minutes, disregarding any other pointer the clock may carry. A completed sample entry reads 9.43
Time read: 11.19
